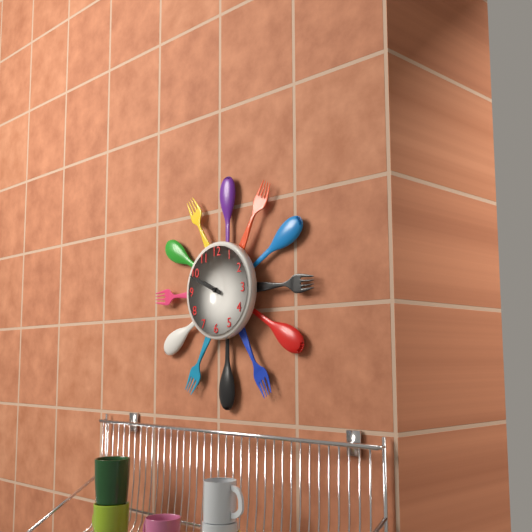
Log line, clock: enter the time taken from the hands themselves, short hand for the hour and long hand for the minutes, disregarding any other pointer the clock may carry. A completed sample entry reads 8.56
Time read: 9.49
